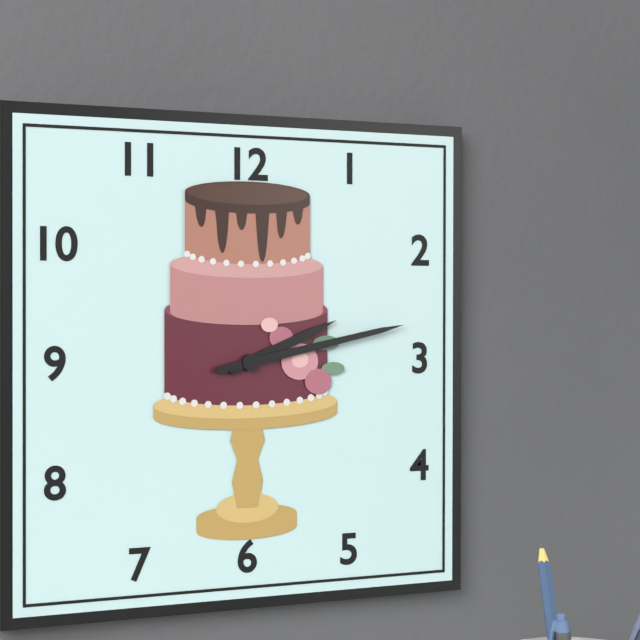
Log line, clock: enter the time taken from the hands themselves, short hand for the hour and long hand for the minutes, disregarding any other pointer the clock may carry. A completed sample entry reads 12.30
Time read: 2.13
